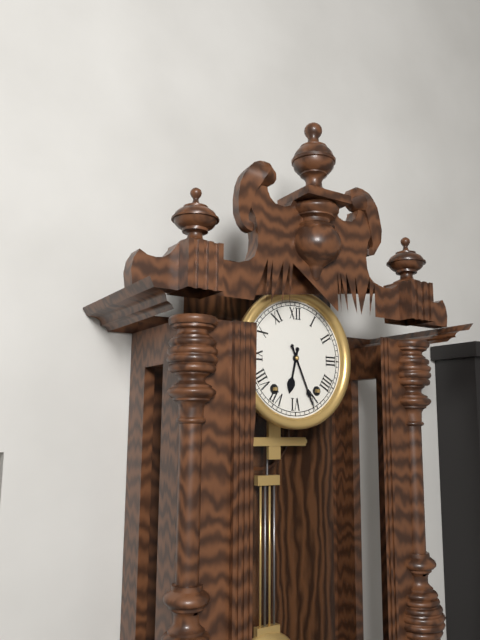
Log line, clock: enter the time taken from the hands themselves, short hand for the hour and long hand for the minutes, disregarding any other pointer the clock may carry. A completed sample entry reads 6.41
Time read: 6.26
